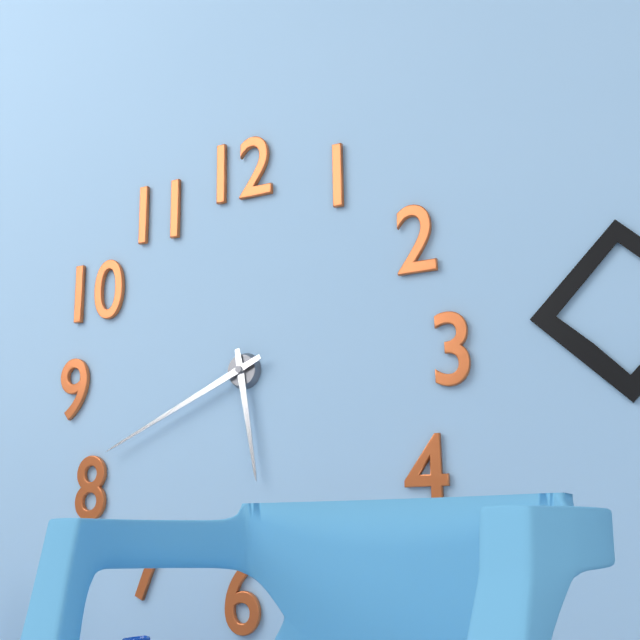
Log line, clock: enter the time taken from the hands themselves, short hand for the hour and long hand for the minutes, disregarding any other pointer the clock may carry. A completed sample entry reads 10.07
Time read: 5.41
